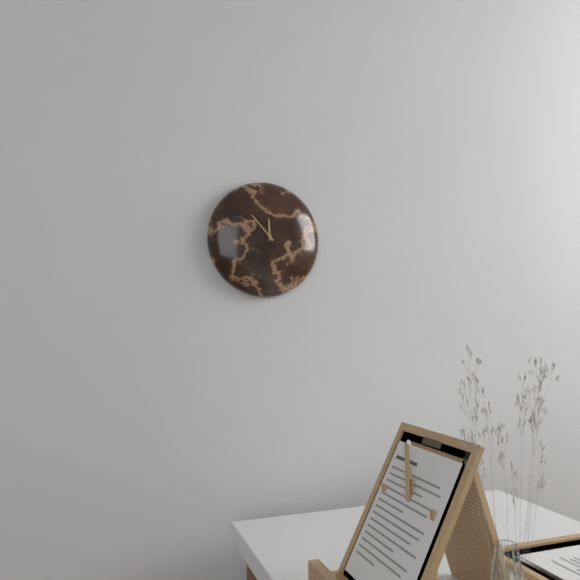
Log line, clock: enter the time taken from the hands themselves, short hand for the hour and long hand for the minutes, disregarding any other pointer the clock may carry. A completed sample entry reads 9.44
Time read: 11.53
